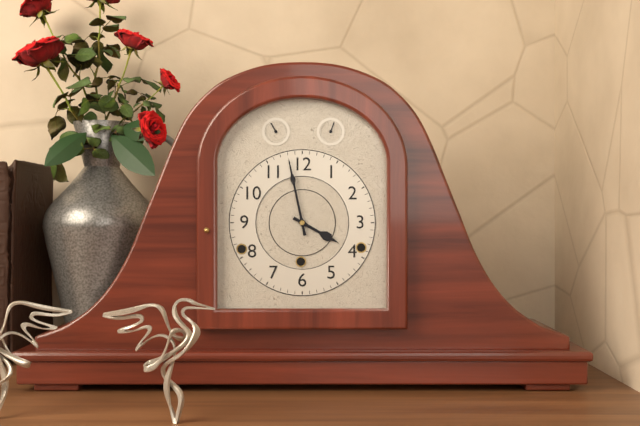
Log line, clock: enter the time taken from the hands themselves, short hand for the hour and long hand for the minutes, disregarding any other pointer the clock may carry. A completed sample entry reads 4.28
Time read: 3.58
